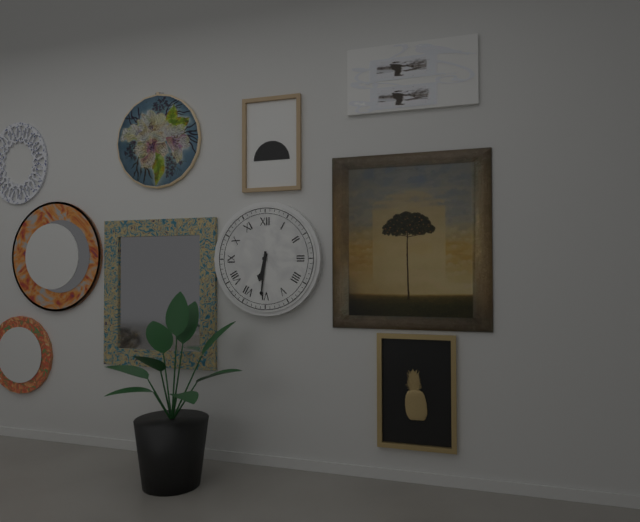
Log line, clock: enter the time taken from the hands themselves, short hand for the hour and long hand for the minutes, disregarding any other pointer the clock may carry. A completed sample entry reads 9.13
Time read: 6.31
